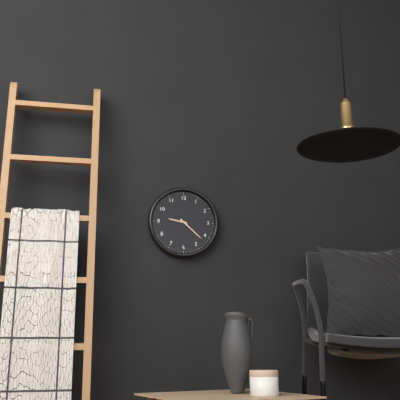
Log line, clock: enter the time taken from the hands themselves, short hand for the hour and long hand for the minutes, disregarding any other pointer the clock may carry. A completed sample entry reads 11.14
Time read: 9.22
